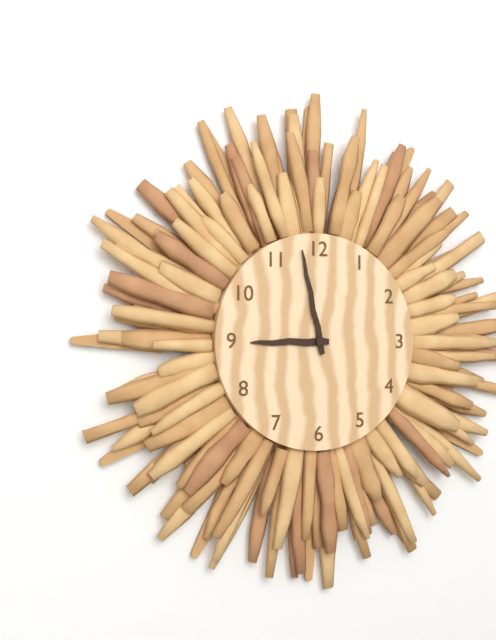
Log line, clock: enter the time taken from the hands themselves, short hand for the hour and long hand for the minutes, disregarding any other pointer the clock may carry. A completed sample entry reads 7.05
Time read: 8.58
